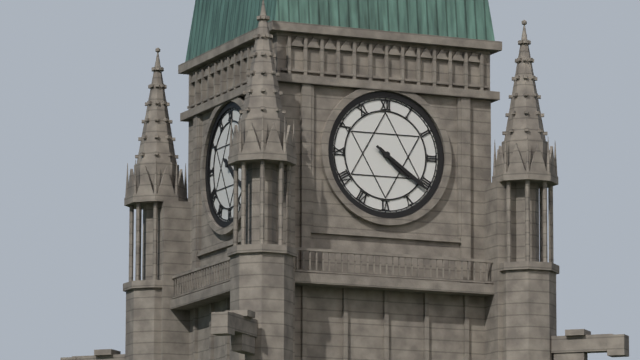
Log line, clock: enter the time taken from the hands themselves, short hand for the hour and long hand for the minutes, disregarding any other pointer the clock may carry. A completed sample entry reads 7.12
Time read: 4.21
